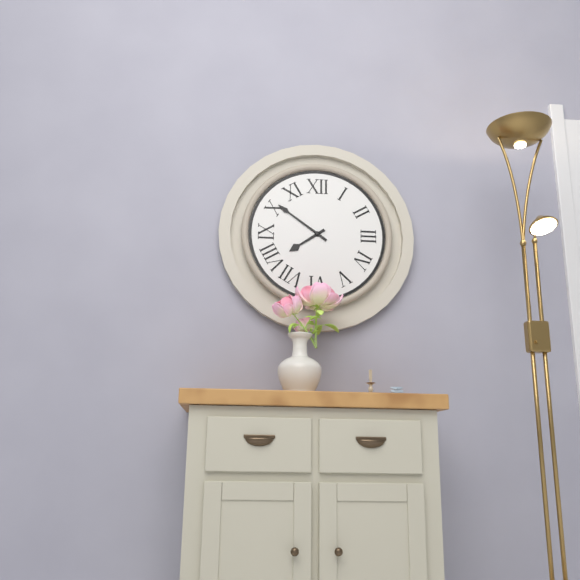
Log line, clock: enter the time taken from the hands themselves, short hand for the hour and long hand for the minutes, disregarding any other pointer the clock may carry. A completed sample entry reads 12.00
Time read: 7.51
